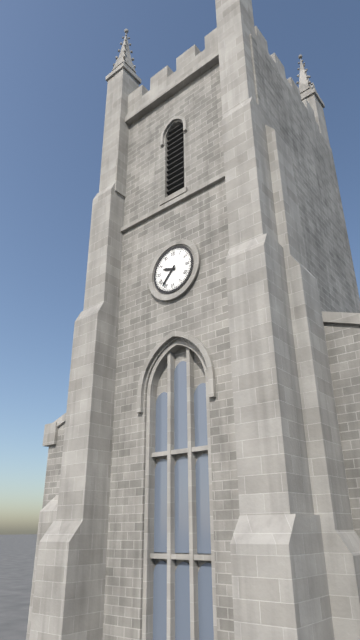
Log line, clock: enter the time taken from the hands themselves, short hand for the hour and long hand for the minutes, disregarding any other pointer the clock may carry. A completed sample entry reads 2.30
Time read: 9.37
